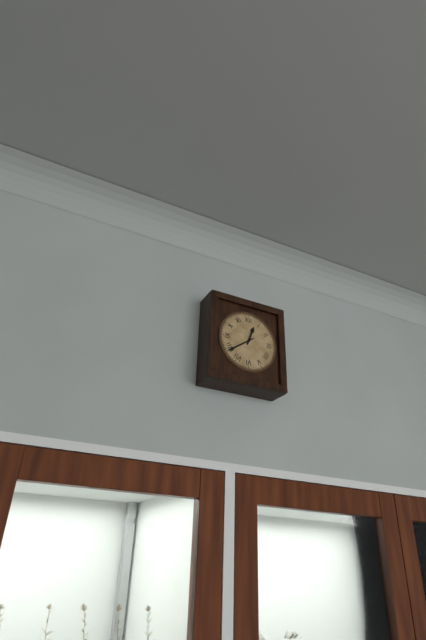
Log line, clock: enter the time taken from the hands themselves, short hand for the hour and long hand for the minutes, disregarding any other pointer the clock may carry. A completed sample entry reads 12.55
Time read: 12.39
